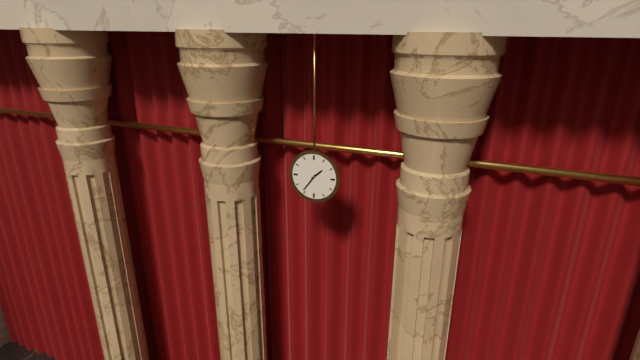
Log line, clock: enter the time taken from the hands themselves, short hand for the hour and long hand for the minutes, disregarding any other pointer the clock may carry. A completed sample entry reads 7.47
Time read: 1.36
